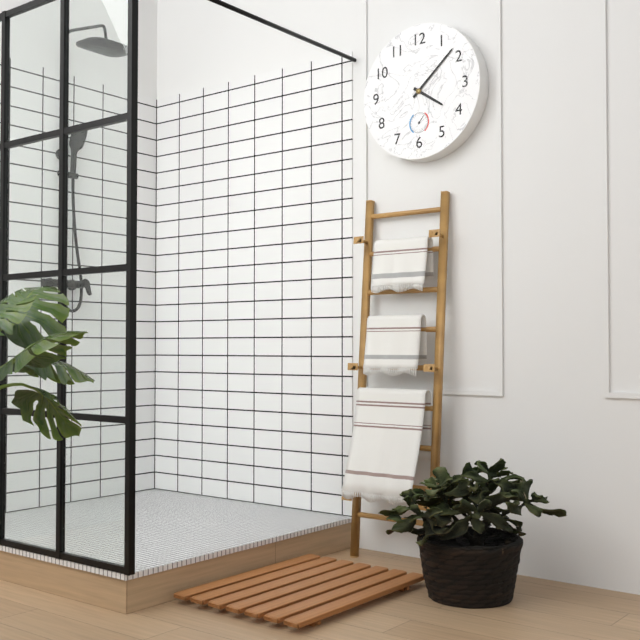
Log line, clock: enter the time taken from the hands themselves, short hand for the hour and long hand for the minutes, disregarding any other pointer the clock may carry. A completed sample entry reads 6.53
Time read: 4.08
